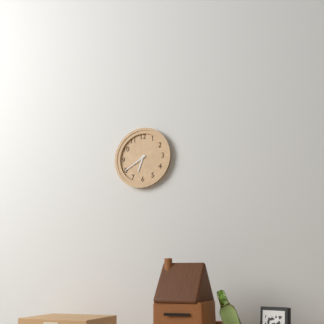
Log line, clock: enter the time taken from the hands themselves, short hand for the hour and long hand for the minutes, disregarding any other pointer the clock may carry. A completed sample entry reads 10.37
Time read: 6.40
